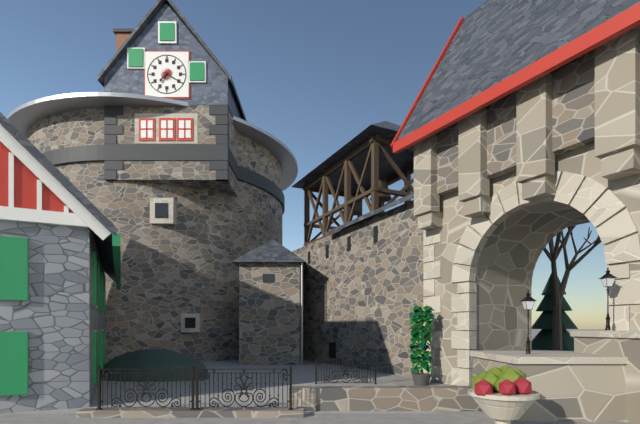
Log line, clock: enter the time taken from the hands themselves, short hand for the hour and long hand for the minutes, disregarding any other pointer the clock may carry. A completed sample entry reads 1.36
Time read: 7.20
